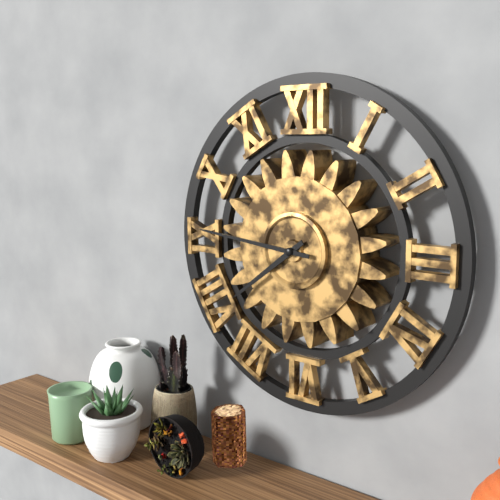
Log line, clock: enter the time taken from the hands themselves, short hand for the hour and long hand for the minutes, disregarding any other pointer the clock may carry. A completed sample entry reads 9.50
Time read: 7.46
